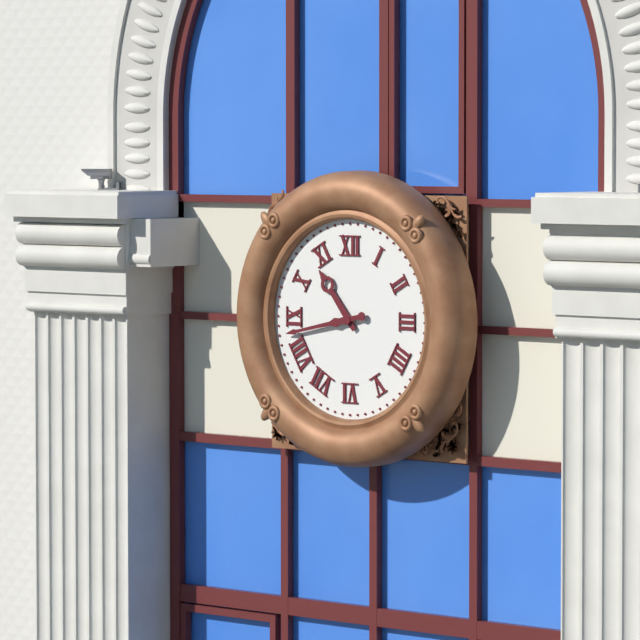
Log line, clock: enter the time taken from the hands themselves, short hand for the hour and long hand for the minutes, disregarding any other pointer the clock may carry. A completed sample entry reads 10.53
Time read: 10.43
